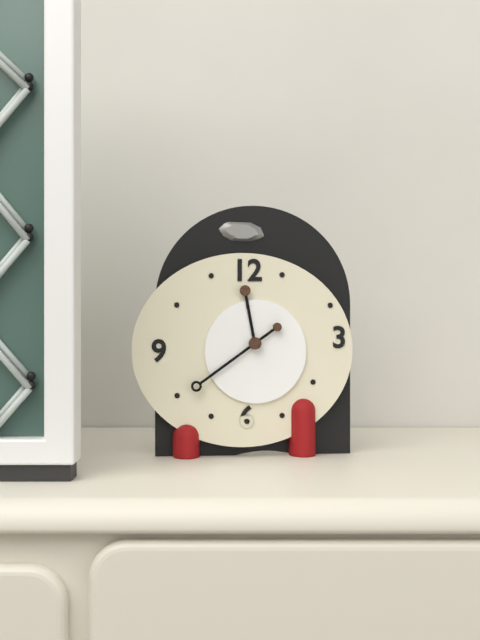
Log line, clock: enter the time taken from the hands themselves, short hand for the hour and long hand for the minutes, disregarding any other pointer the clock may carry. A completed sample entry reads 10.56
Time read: 11.39
